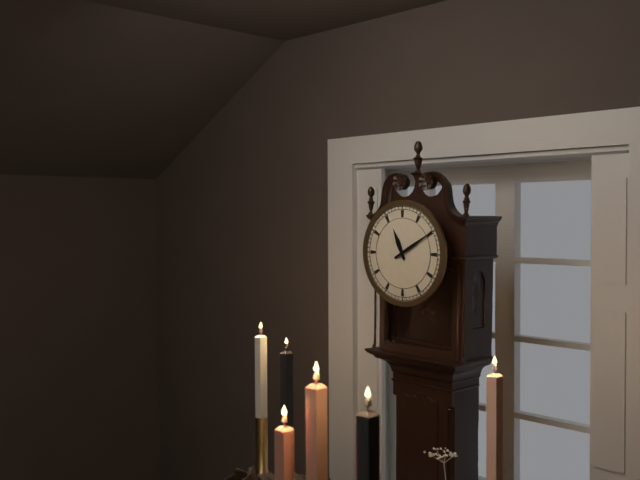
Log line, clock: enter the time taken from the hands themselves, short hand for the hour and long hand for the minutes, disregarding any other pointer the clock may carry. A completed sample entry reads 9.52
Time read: 11.10
